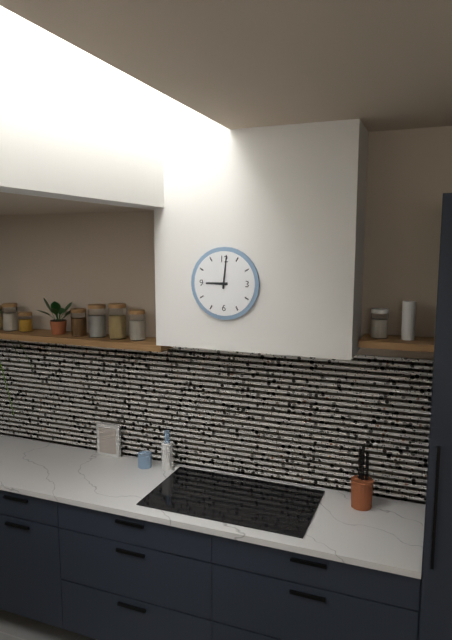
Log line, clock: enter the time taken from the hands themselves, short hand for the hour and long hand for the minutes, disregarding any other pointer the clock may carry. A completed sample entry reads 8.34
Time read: 9.01
